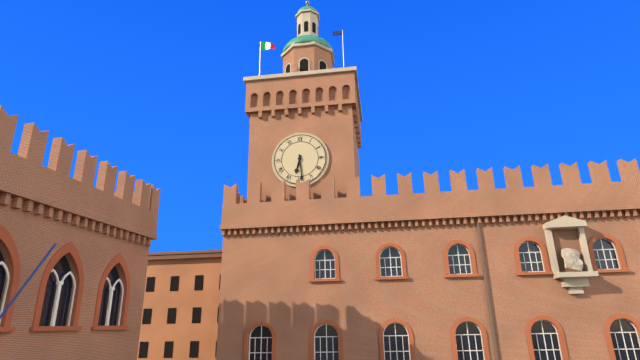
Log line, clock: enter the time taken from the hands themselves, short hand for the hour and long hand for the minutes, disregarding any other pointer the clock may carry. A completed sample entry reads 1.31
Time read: 6.29
